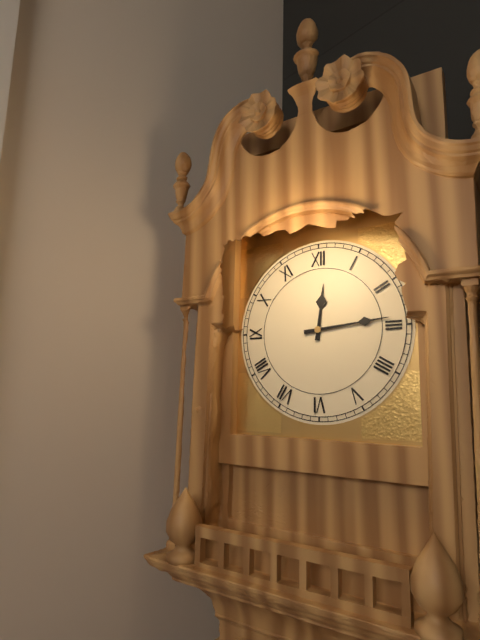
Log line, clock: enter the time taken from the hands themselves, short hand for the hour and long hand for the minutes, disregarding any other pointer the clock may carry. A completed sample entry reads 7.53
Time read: 12.14
